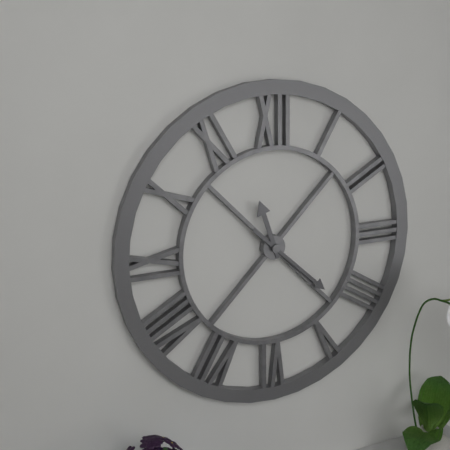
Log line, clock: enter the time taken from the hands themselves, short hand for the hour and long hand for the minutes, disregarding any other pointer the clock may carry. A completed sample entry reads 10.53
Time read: 11.22
